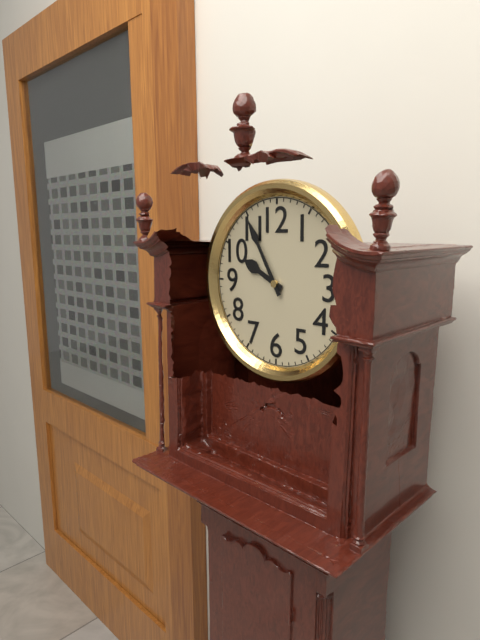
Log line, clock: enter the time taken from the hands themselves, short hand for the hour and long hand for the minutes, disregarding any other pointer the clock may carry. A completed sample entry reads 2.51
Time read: 9.55
